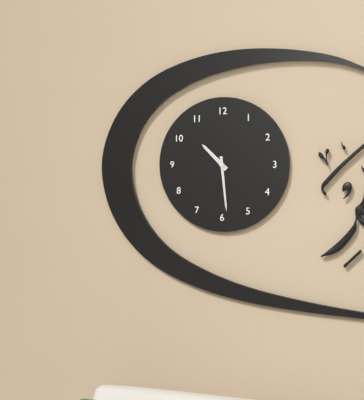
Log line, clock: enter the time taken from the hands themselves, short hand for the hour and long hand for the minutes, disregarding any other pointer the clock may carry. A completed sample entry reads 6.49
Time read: 10.29
